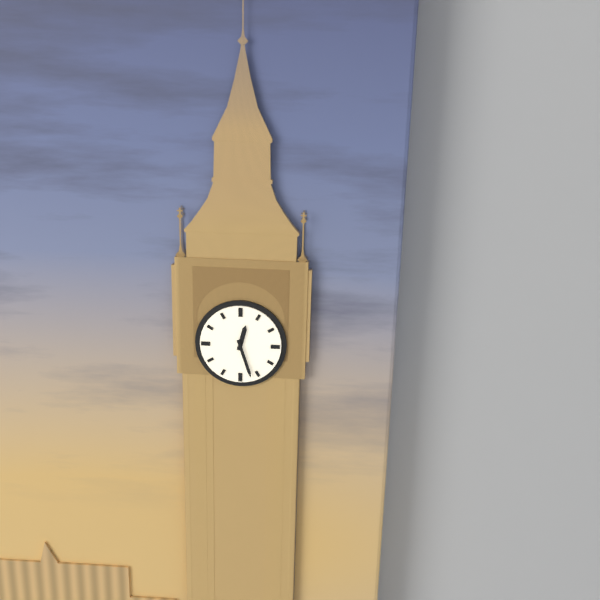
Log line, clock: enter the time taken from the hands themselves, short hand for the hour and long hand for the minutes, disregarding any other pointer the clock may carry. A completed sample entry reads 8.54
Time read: 12.27
